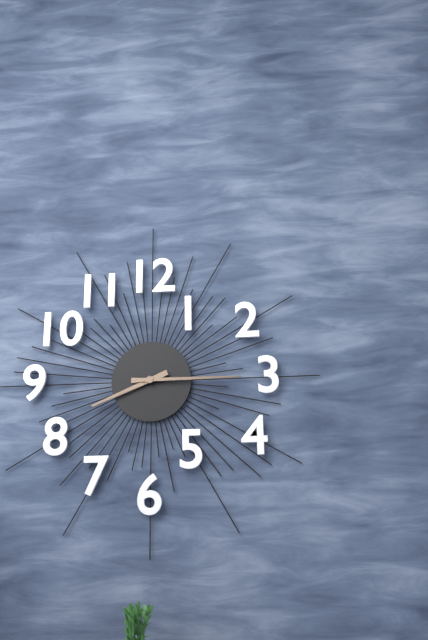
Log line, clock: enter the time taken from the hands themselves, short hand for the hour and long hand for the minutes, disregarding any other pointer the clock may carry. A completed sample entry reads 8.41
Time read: 8.15
